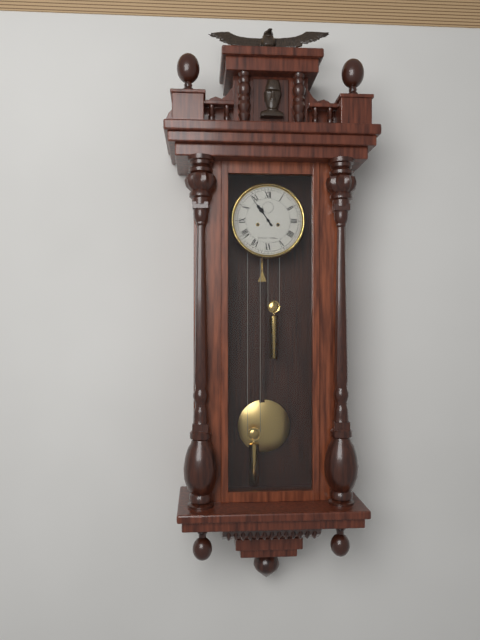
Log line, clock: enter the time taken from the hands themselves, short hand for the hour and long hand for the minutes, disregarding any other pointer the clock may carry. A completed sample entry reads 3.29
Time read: 10.54
